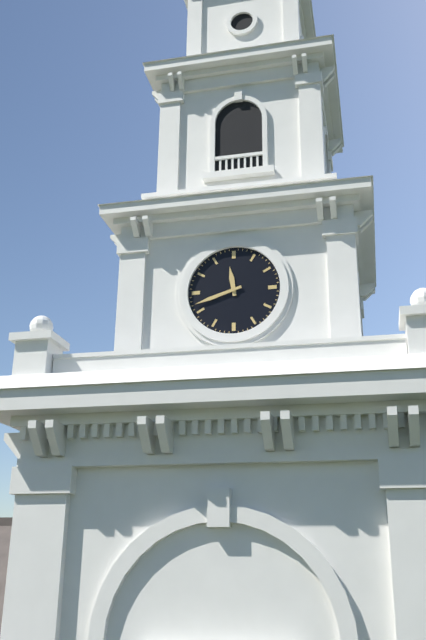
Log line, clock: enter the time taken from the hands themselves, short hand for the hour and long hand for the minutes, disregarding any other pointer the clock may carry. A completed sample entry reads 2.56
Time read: 11.42
